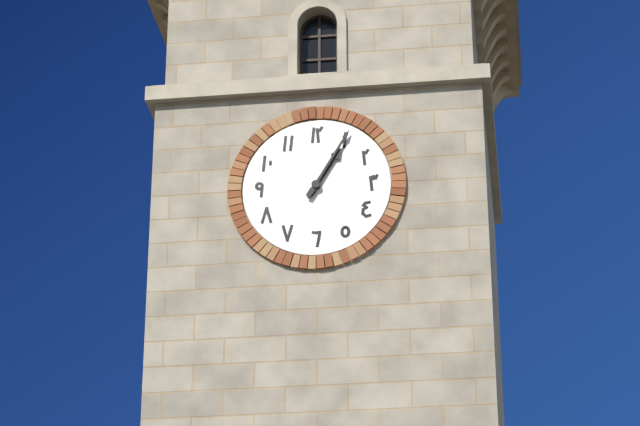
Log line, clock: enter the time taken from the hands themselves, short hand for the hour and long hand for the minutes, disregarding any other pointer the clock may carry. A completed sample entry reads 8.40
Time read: 1.05
